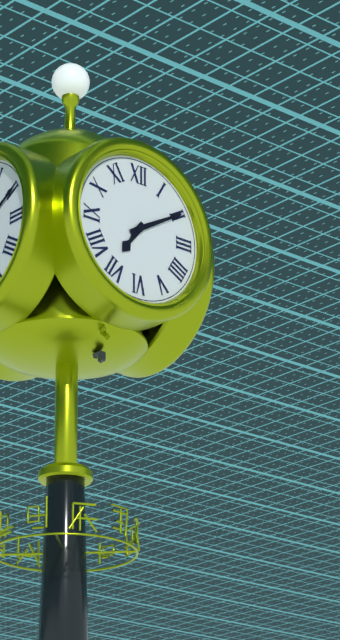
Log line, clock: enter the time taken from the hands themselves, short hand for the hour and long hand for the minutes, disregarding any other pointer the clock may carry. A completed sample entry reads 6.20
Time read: 7.10
